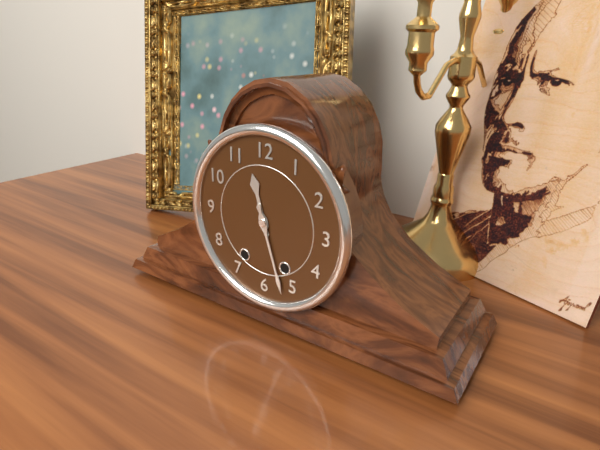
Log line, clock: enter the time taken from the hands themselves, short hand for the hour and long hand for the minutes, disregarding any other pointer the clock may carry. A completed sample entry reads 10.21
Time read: 11.27
